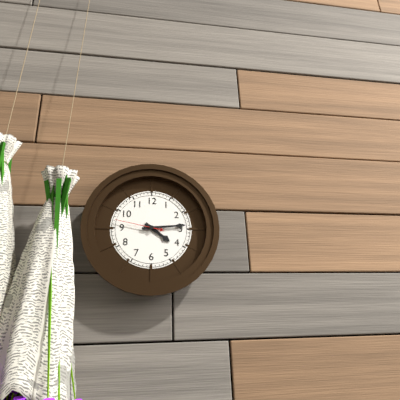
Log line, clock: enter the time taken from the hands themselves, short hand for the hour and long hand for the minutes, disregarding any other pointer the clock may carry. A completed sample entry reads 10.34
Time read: 4.14
